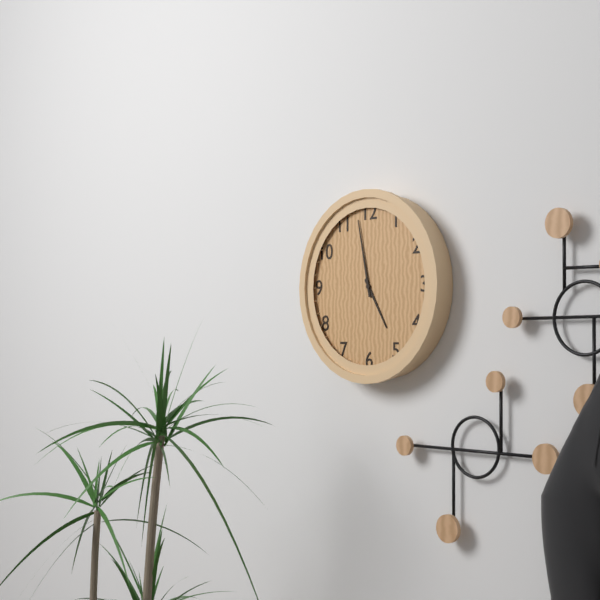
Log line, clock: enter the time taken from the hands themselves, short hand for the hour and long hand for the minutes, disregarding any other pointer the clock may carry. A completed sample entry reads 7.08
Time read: 4.58
